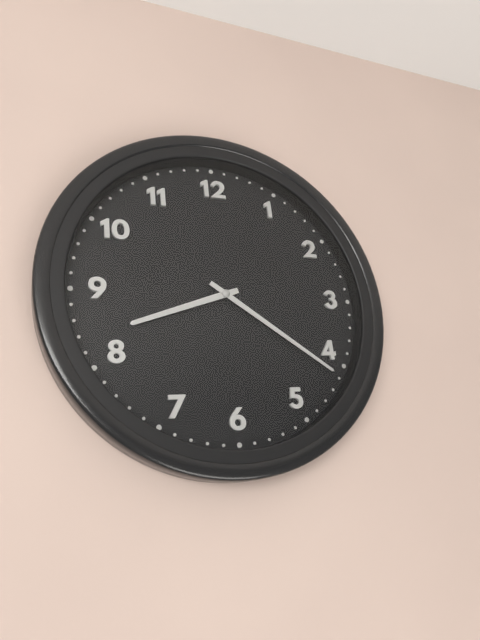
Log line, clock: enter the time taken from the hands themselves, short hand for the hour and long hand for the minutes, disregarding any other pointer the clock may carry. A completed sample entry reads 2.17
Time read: 8.21
